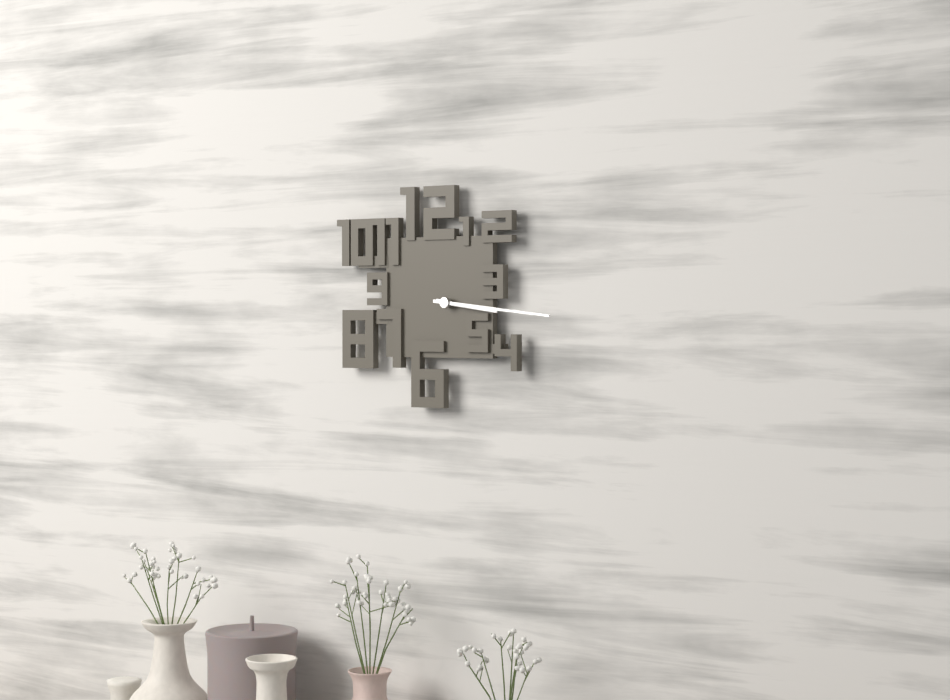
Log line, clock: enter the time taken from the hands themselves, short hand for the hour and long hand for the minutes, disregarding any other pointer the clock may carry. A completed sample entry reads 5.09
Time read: 3.16
